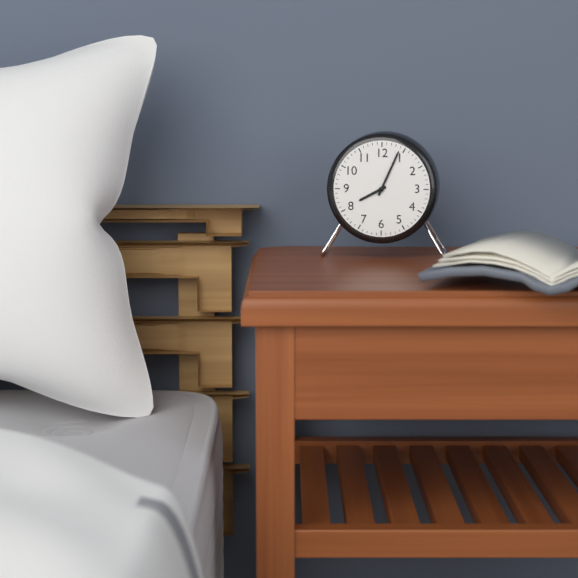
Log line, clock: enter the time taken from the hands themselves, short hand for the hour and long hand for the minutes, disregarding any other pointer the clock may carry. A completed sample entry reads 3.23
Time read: 8.04
